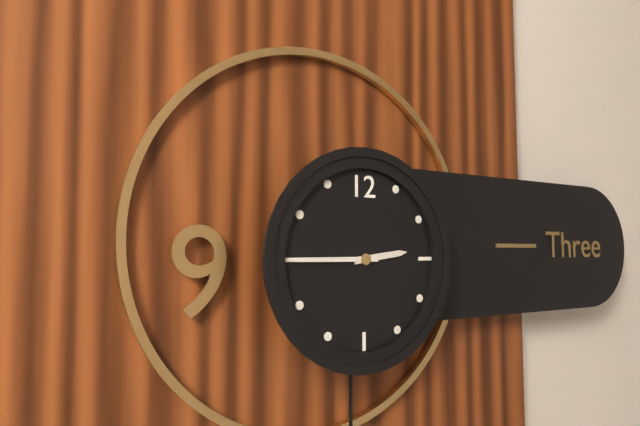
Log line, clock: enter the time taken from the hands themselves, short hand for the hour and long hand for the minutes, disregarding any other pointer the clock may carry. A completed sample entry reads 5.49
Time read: 2.45
